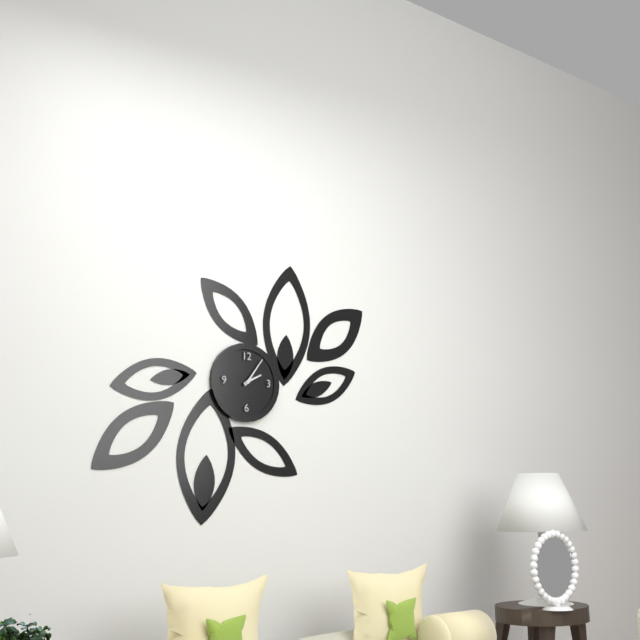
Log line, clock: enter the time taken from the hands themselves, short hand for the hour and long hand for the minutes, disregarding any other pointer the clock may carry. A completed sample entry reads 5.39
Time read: 2.06
